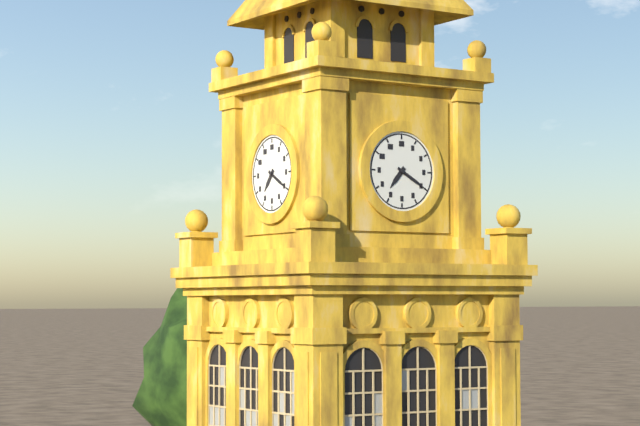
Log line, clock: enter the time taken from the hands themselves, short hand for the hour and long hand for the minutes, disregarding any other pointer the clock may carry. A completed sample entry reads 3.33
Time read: 7.20
